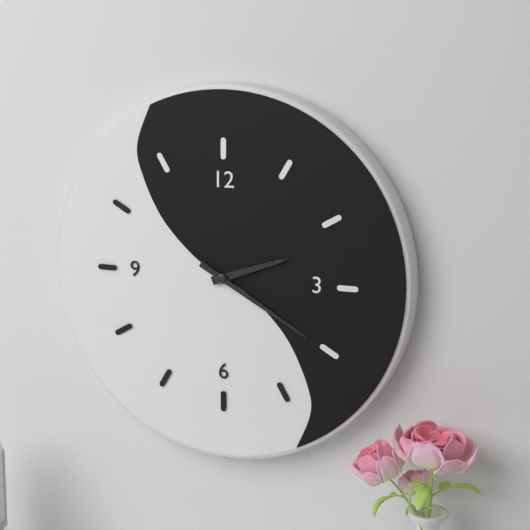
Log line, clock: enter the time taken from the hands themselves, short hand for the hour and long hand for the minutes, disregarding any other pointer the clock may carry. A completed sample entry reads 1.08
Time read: 2.20
